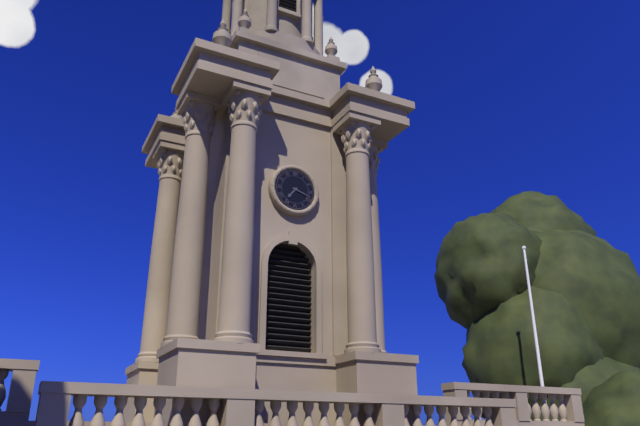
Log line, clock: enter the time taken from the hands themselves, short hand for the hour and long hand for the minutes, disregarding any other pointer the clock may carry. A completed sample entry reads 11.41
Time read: 7.18
